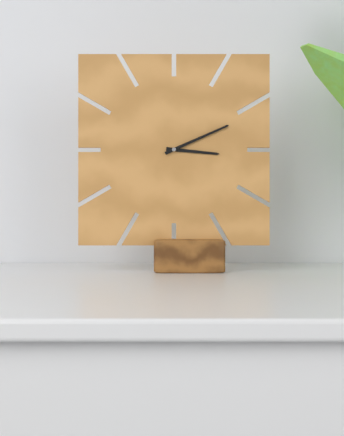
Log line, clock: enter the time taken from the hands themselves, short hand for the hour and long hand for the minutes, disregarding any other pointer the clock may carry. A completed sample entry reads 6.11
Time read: 3.11
